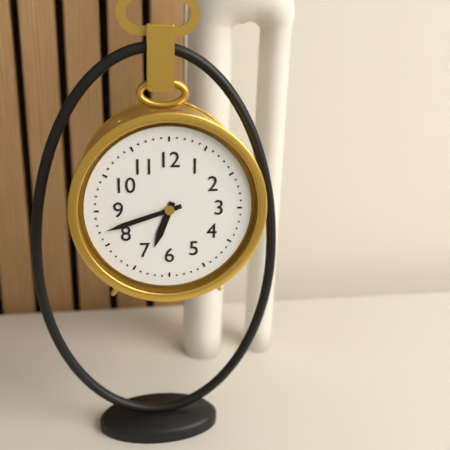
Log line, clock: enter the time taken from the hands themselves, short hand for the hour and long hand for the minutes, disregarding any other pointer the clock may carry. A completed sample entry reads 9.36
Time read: 6.42
